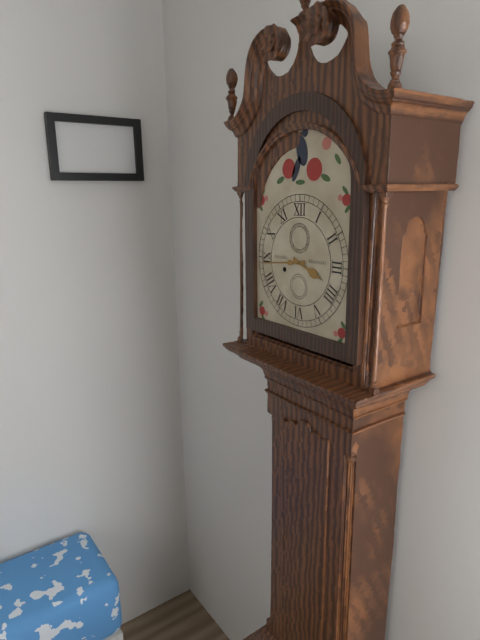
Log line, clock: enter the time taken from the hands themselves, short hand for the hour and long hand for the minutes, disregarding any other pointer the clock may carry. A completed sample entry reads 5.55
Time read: 3.44
